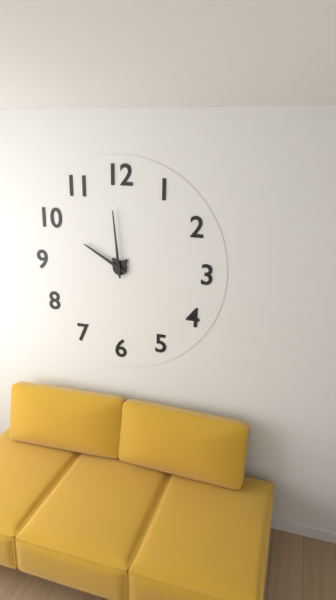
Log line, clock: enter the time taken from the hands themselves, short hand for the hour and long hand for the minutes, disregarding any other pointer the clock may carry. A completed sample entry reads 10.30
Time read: 9.59
